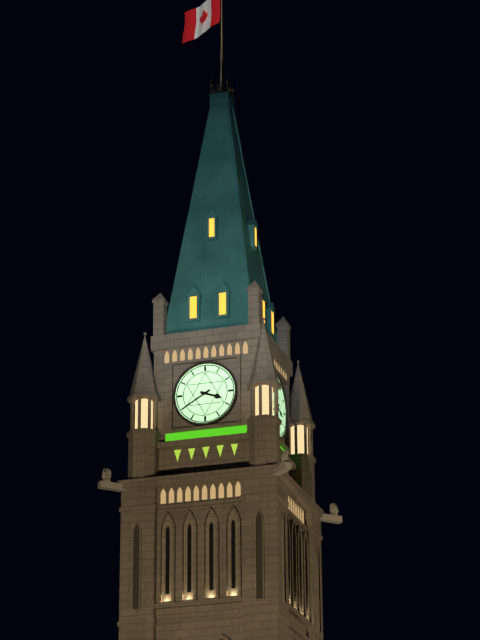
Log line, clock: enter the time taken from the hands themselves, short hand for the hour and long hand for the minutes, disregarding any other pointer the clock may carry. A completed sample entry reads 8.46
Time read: 3.40
